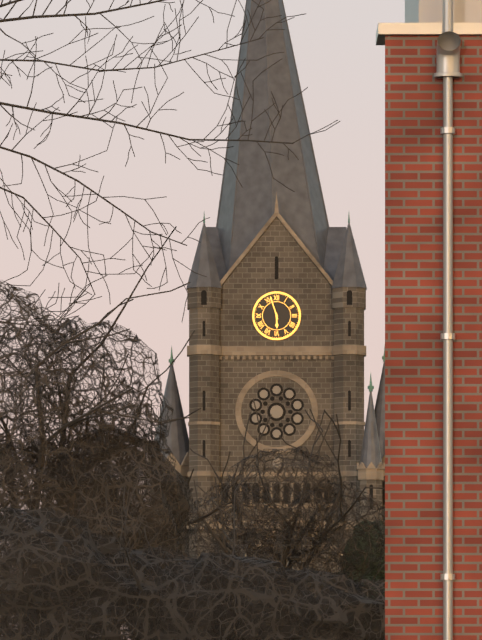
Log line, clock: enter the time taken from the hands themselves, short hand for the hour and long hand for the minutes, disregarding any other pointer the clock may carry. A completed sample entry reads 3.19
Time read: 5.57
